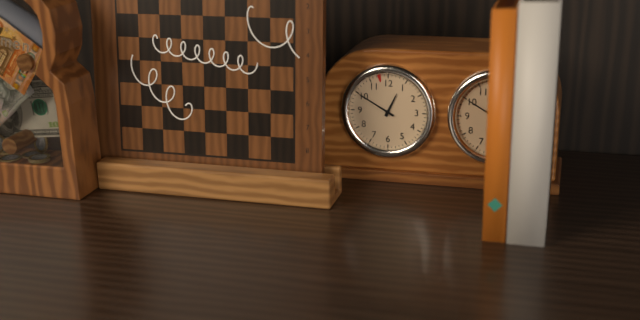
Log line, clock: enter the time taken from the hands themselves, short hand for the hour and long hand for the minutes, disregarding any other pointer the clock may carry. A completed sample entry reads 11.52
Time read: 12.50
